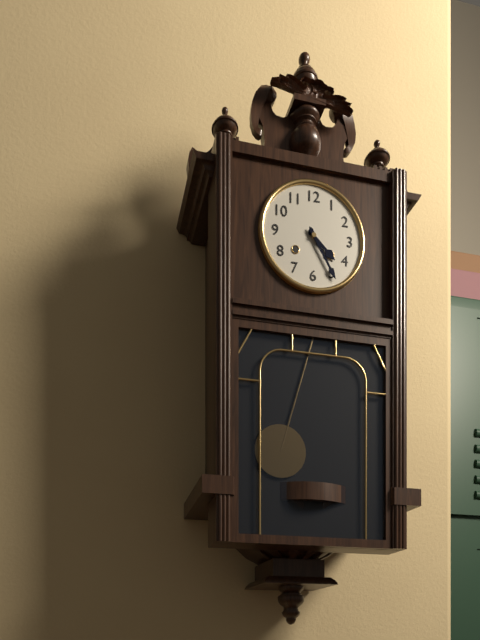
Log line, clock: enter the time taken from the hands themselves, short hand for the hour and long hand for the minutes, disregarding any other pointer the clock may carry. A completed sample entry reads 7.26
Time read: 4.25
